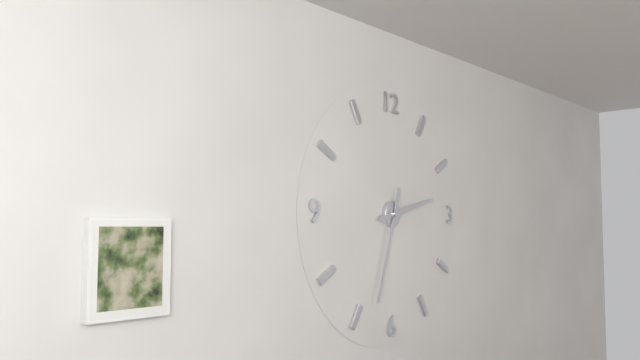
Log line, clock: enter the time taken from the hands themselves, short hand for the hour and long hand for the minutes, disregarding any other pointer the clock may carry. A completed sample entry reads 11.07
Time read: 2.33
